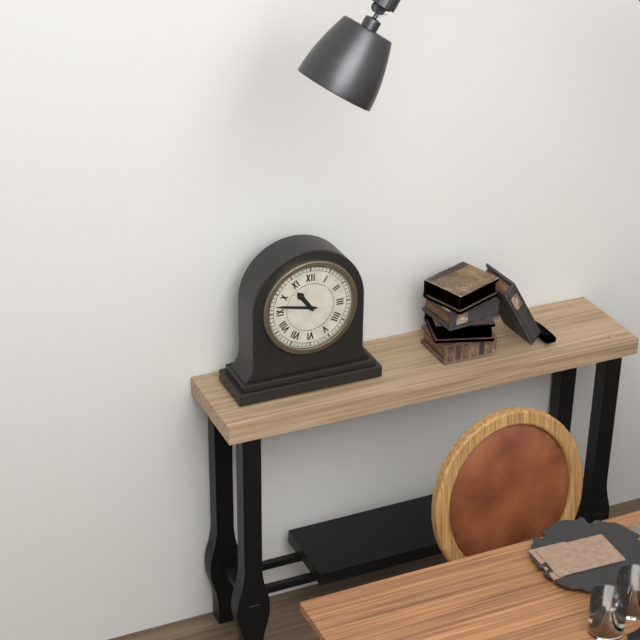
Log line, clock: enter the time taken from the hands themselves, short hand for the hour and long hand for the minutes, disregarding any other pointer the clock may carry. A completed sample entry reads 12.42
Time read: 10.47
